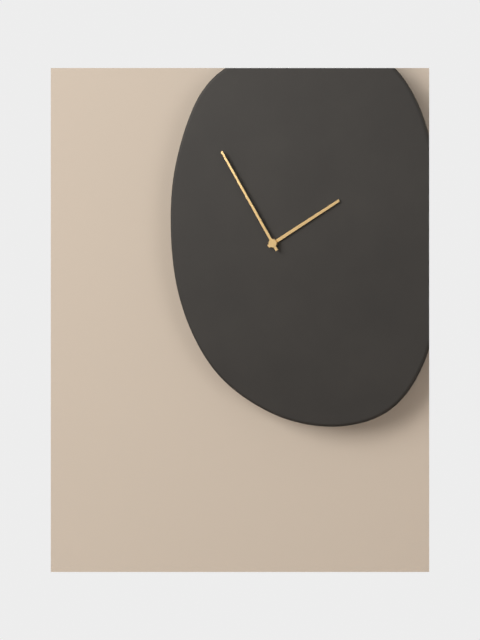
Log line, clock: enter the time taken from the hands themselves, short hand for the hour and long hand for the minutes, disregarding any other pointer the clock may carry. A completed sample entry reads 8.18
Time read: 1.55
